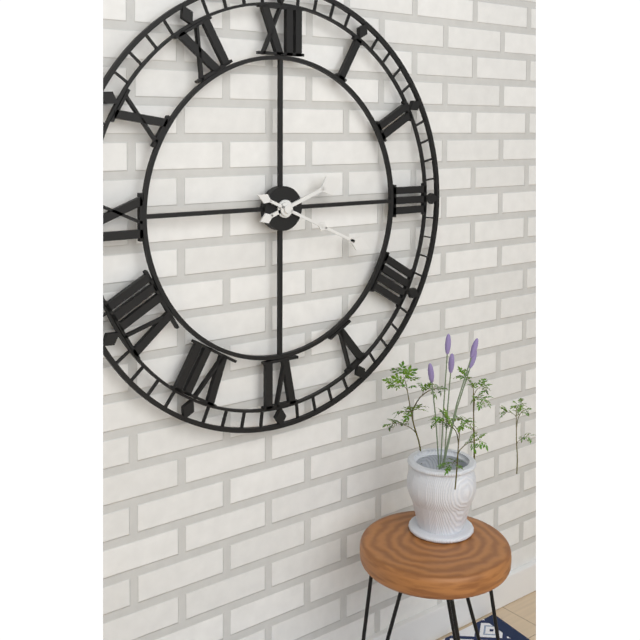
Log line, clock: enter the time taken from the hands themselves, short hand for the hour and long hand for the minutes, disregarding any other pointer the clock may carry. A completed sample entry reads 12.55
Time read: 2.19
